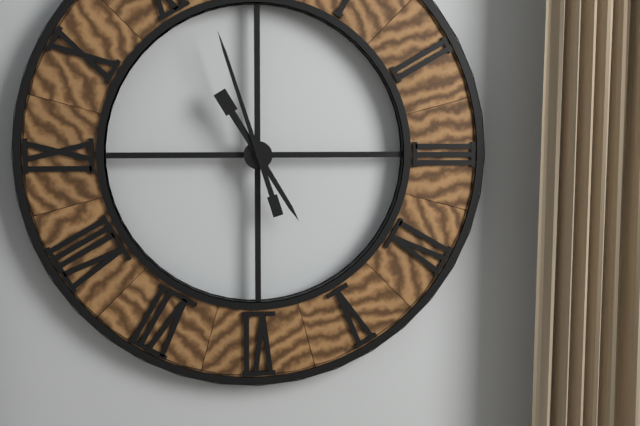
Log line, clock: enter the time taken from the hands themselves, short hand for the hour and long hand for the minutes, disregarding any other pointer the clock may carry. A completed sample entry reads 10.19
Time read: 4.57
